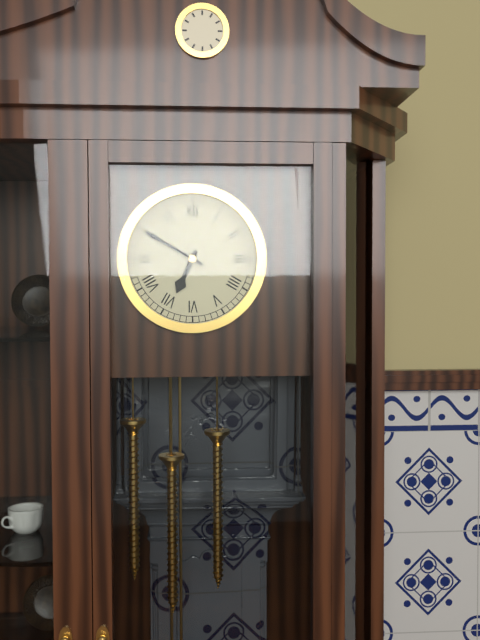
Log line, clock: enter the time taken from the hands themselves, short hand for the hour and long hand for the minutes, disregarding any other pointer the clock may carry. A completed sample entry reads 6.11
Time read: 6.50
